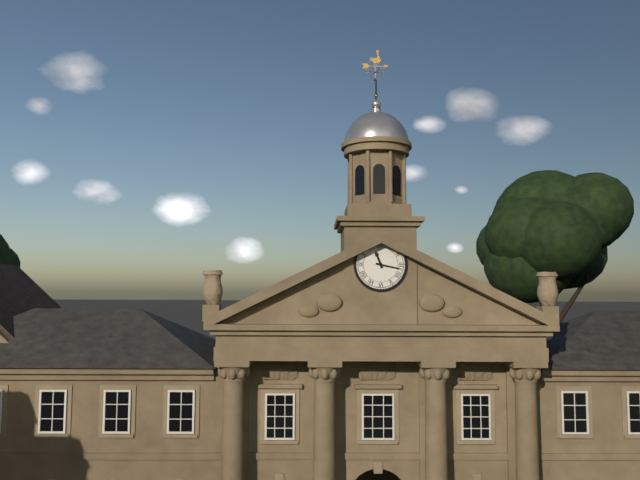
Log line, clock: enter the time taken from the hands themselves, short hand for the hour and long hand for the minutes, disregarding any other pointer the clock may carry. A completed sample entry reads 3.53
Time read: 11.17
